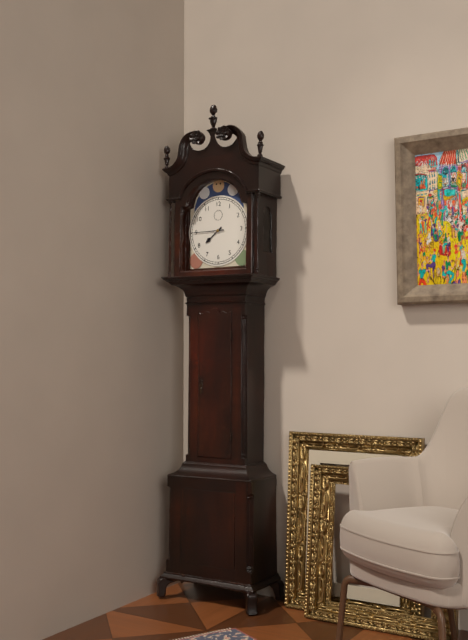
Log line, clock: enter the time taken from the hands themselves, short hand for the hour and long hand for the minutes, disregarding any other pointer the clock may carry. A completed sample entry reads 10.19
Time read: 7.45
